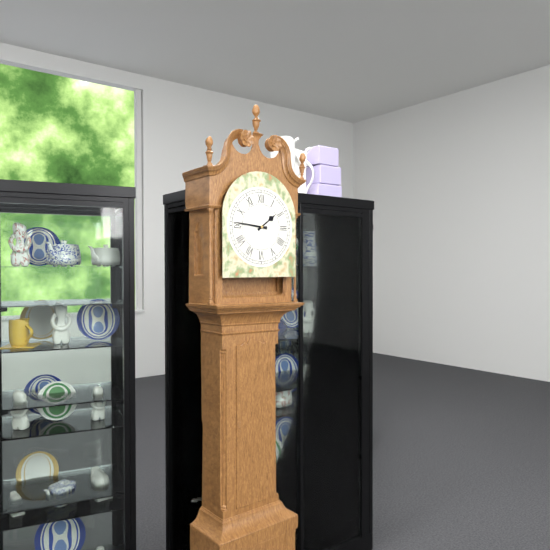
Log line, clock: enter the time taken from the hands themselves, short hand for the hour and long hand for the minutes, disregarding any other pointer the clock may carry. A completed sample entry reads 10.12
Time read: 1.46
